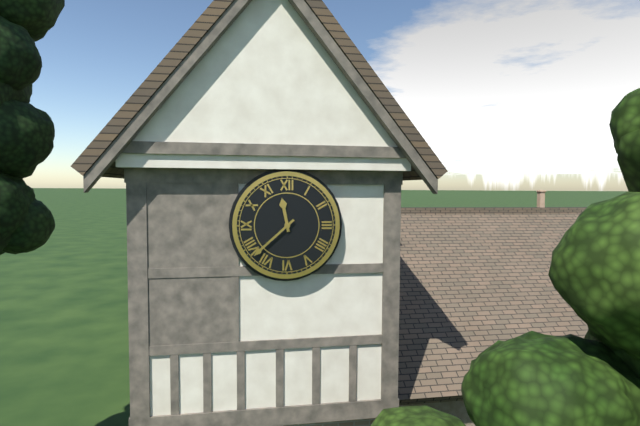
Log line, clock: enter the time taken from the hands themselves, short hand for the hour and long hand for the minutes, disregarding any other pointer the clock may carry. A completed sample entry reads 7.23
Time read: 11.38
